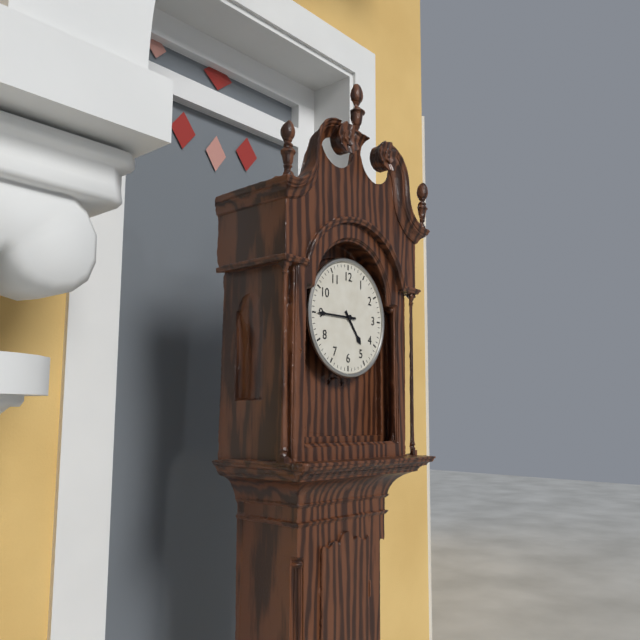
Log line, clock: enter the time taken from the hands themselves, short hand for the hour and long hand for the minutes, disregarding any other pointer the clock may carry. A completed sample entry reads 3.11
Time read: 4.45
